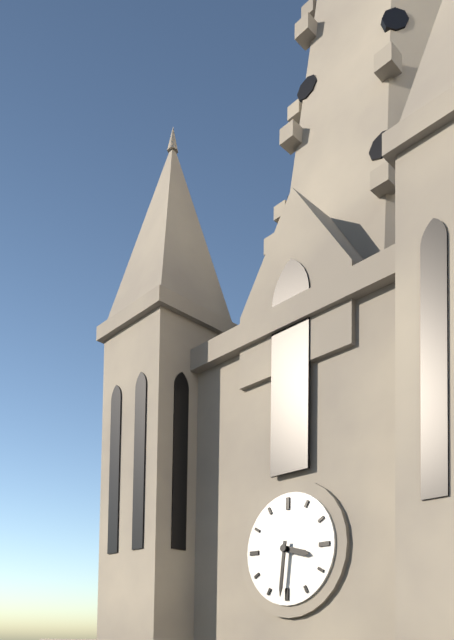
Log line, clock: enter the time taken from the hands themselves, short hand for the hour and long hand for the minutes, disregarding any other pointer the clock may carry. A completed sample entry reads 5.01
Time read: 3.31
